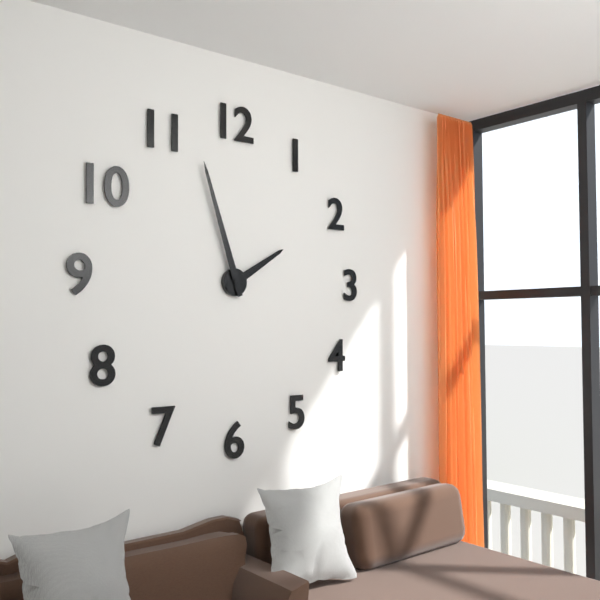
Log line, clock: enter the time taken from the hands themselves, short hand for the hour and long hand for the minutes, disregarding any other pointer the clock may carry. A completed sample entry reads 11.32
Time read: 1.57
